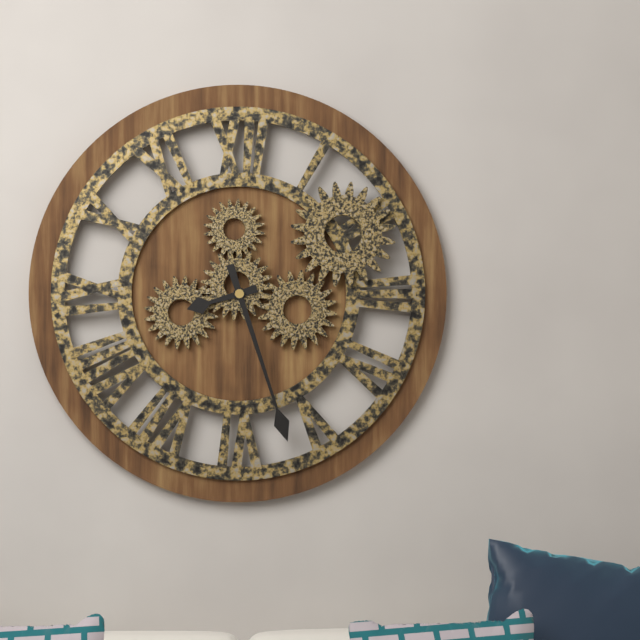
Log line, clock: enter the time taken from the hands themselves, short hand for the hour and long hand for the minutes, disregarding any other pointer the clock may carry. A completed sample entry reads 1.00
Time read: 8.27
